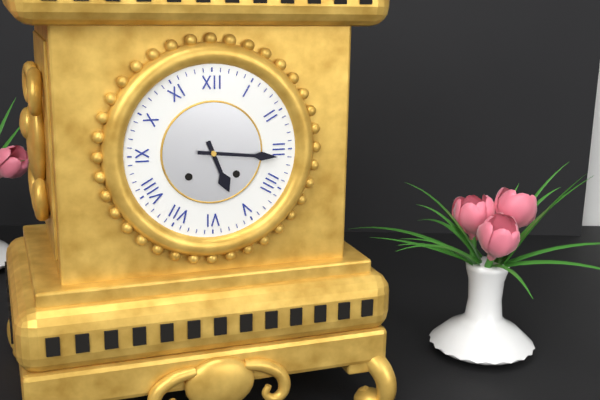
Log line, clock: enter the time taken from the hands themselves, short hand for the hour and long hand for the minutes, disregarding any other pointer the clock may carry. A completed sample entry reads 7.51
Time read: 5.16
